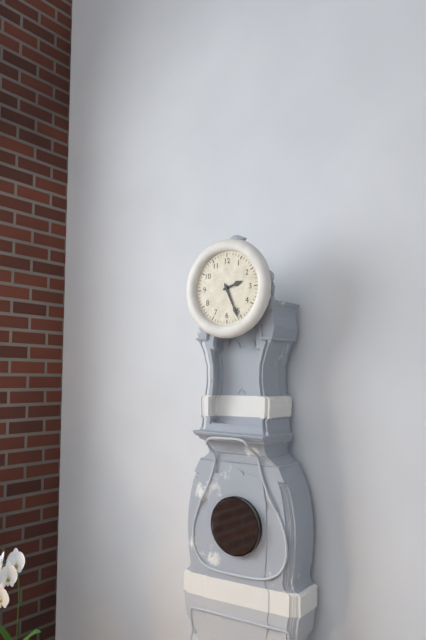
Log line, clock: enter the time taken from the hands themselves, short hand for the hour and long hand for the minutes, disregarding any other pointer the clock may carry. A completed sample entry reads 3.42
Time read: 2.26
